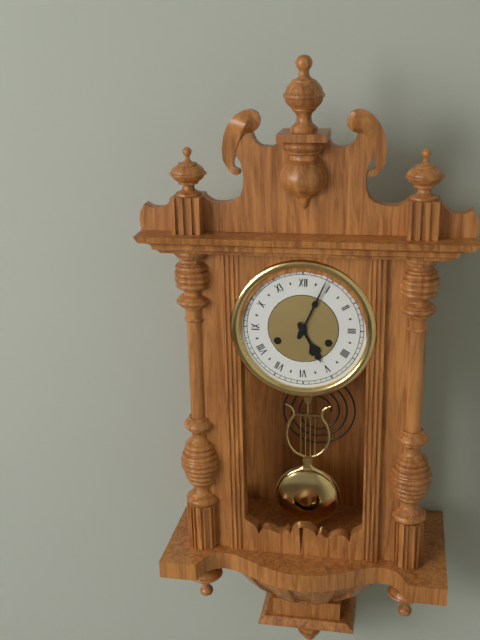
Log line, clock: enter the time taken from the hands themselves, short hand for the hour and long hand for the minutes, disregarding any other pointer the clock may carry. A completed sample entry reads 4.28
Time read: 5.04
